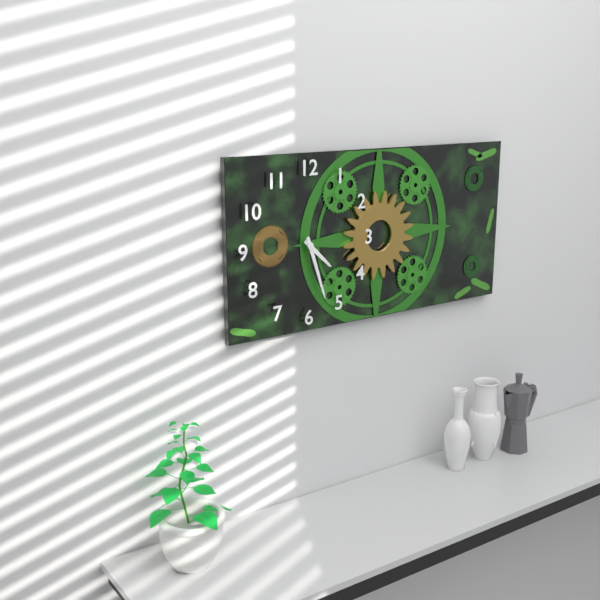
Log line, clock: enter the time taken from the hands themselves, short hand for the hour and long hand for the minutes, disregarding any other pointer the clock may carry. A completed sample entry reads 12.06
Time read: 4.27
